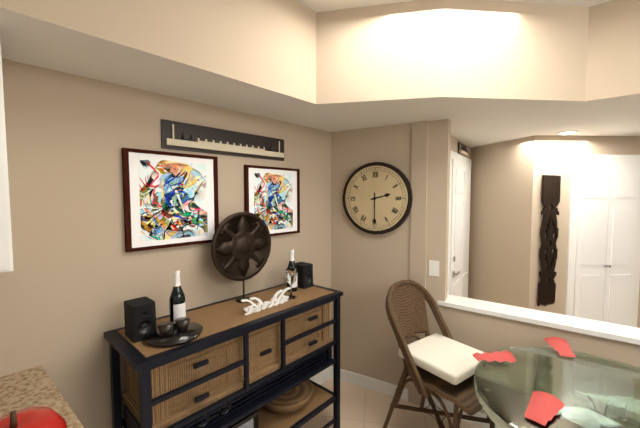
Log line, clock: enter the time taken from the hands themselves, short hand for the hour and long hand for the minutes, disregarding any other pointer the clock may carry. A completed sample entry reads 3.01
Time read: 2.30
